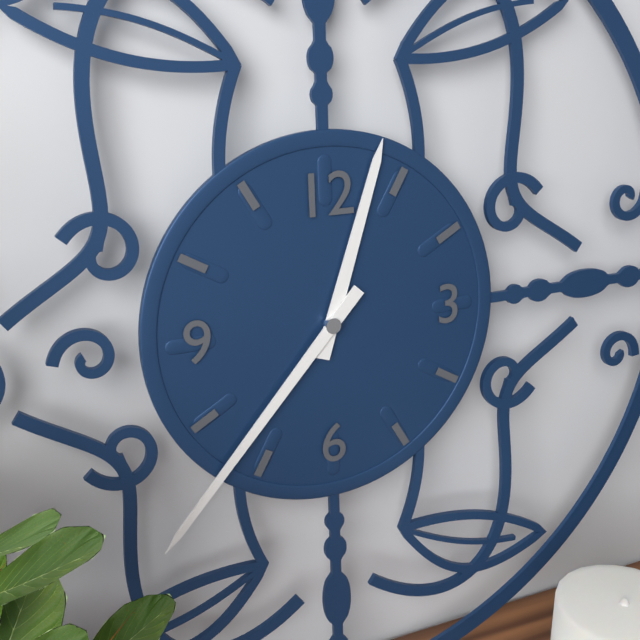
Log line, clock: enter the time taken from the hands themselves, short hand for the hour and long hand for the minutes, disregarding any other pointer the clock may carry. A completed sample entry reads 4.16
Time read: 12.37
